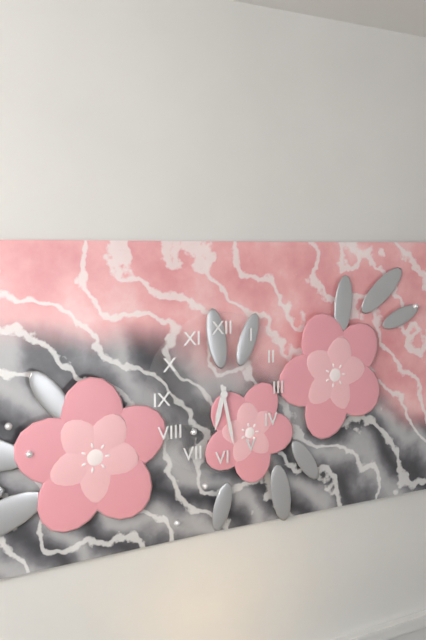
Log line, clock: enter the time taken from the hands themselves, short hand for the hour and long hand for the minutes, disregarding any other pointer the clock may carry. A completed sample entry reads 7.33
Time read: 6.28
